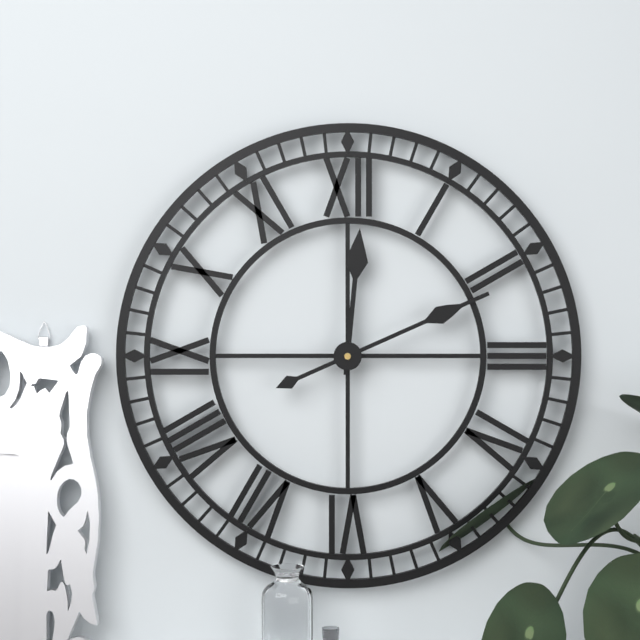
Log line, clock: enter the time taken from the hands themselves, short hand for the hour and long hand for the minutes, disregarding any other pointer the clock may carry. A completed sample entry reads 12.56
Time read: 12.11
